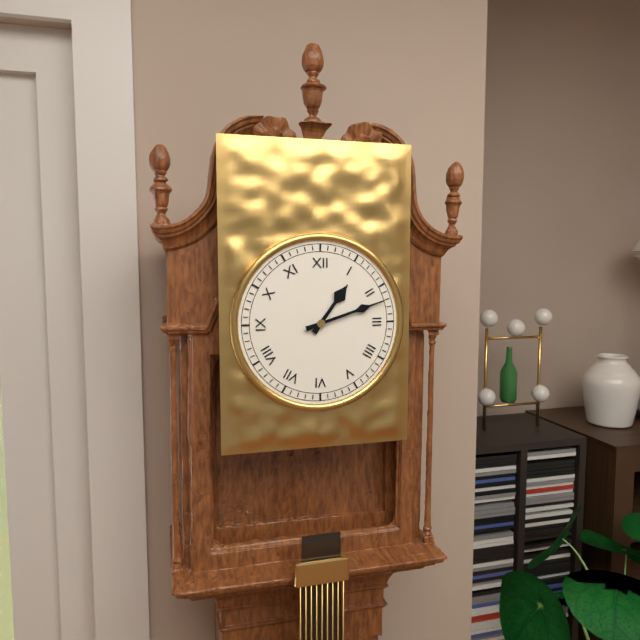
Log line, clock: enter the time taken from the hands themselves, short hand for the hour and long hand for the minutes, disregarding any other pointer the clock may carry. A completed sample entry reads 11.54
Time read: 1.12
